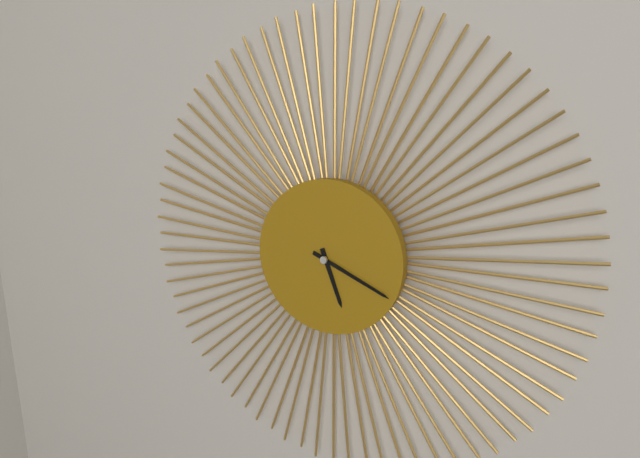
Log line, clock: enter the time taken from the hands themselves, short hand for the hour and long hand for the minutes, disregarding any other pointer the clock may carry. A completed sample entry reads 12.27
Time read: 5.19
